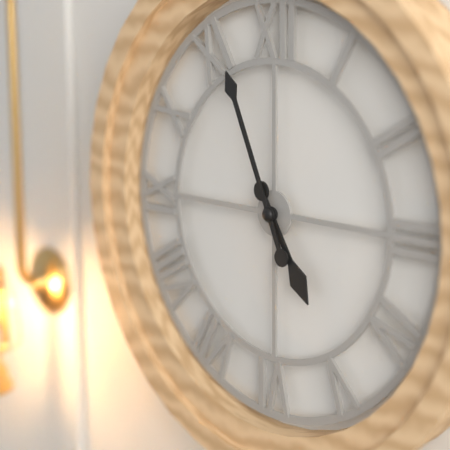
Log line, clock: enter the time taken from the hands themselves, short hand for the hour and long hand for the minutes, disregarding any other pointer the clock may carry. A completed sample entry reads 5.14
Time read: 4.56
